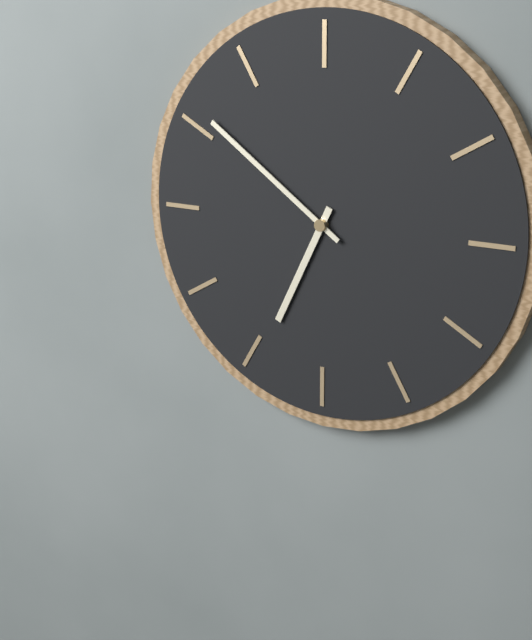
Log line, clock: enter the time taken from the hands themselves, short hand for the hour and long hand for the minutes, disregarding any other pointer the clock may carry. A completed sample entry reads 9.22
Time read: 6.51
